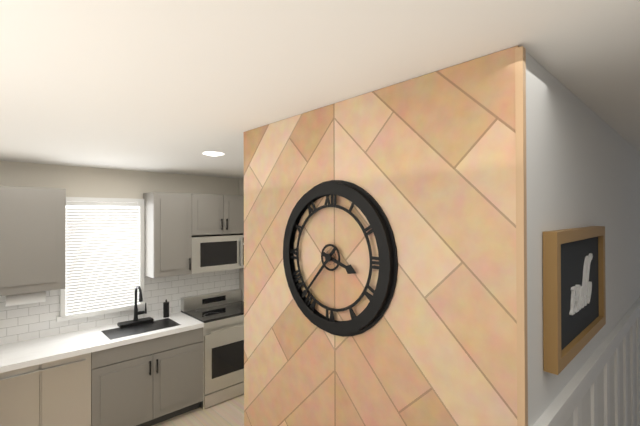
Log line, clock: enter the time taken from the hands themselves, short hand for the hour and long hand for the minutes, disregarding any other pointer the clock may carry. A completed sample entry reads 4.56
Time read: 3.37
